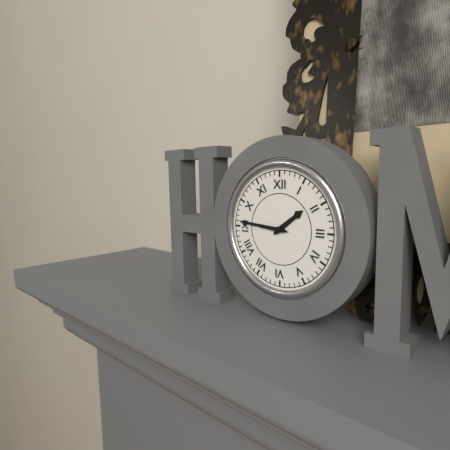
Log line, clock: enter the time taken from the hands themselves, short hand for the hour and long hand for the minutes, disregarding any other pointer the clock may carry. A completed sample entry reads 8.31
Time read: 1.46
